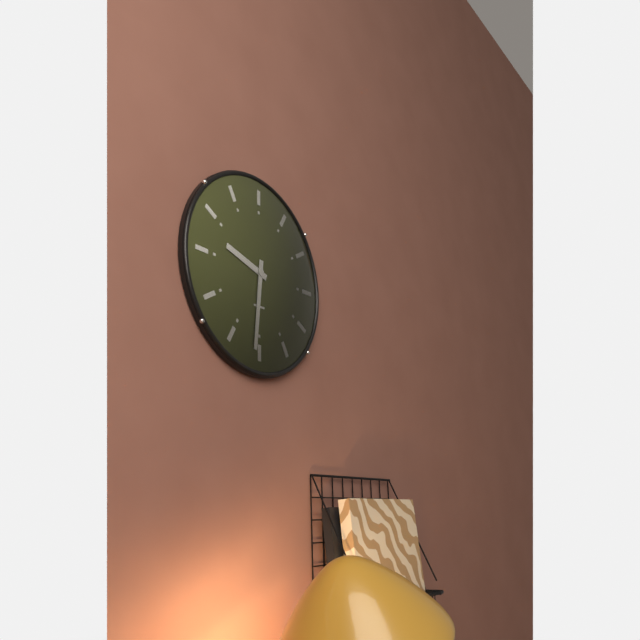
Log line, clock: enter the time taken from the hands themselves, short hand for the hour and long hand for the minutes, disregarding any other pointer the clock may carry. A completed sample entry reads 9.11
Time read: 9.31
